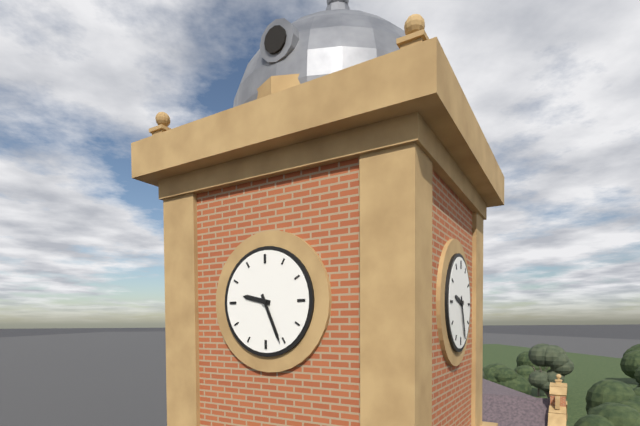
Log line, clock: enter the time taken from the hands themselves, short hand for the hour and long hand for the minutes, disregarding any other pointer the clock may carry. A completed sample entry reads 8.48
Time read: 9.26
